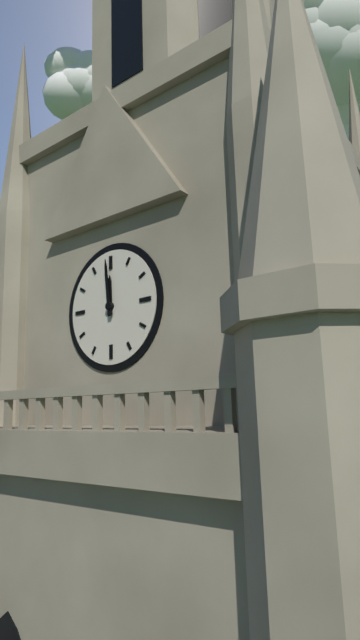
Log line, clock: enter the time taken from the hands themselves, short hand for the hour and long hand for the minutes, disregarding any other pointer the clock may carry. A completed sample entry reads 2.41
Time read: 11.59
